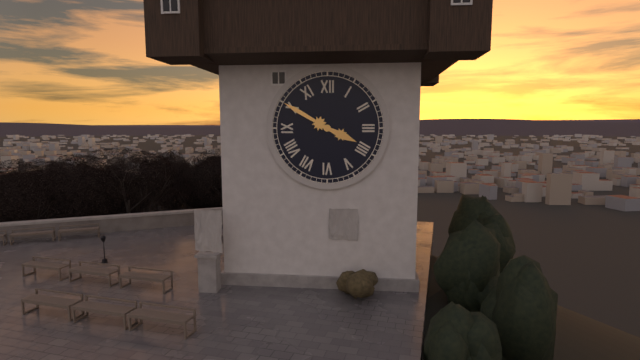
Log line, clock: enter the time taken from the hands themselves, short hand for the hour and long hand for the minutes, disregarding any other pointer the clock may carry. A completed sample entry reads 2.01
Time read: 3.50
